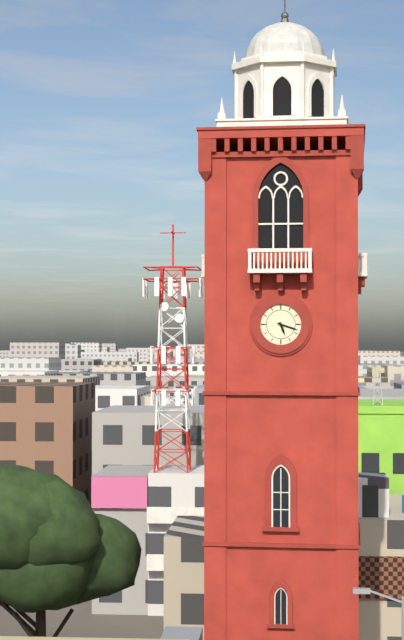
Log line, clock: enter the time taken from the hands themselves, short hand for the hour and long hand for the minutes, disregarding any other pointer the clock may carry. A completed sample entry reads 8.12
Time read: 5.18
